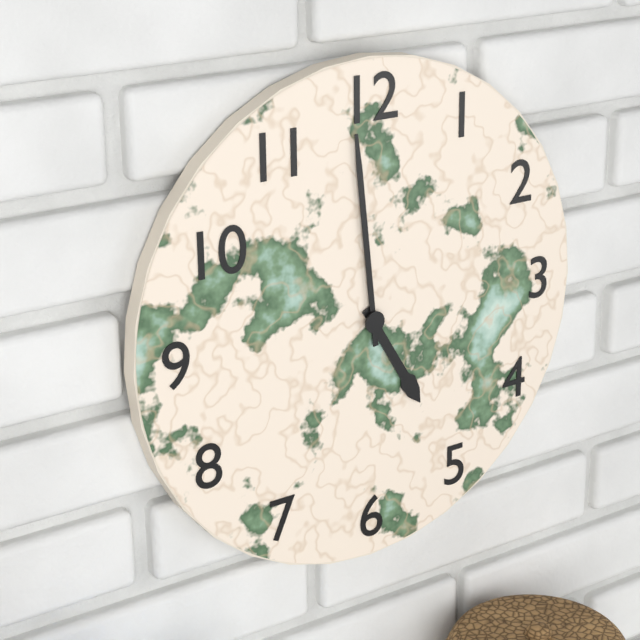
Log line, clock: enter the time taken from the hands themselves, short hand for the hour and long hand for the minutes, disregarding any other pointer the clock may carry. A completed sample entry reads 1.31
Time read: 4.59
